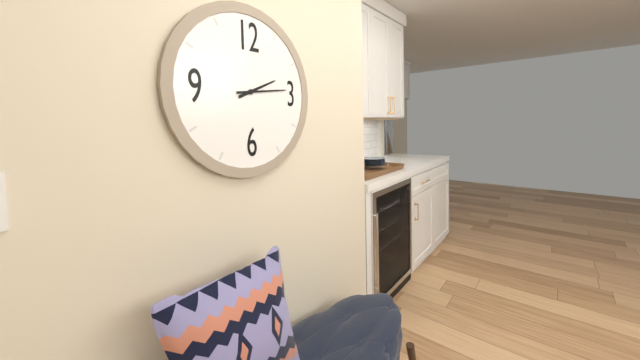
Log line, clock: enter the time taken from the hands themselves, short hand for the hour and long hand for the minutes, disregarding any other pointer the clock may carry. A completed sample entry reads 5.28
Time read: 2.14
